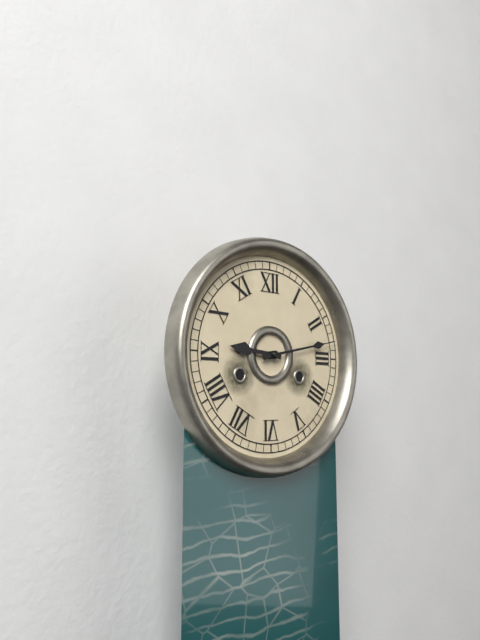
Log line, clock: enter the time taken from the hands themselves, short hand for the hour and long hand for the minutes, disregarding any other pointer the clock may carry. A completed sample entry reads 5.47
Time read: 9.13
